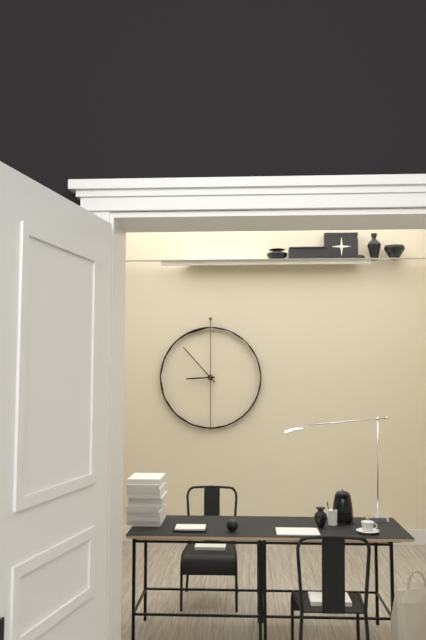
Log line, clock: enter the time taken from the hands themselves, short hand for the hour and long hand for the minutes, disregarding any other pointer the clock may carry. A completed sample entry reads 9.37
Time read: 8.53
